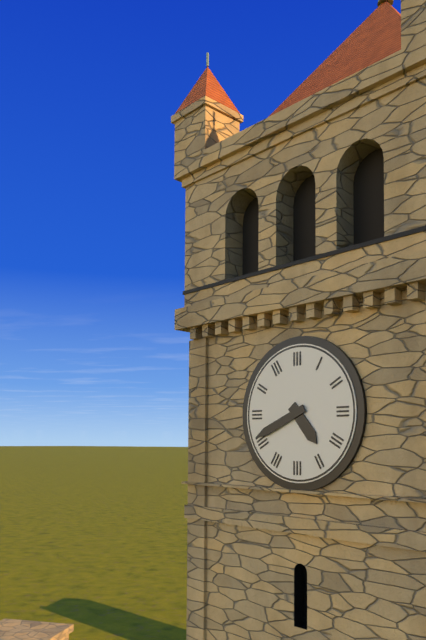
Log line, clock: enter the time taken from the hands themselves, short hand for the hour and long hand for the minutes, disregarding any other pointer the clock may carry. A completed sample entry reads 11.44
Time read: 4.41
